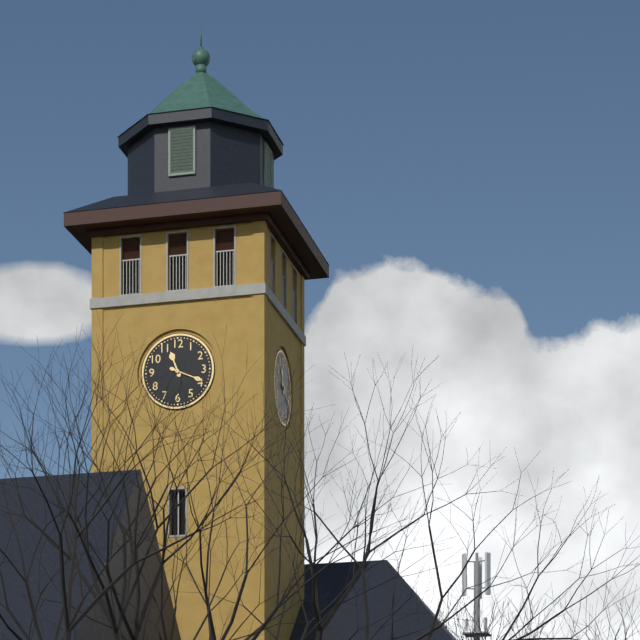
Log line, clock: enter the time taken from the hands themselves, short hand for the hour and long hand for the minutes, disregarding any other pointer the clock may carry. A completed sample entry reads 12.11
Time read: 11.19
